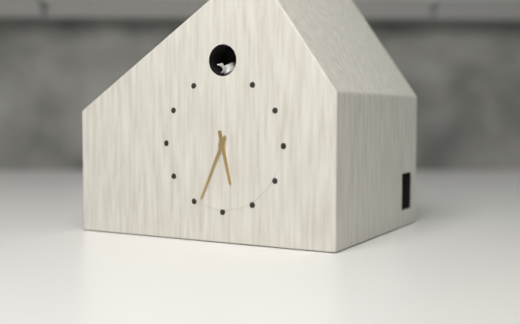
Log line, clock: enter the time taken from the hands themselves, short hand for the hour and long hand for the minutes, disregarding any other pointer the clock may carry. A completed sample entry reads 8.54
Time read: 5.34
